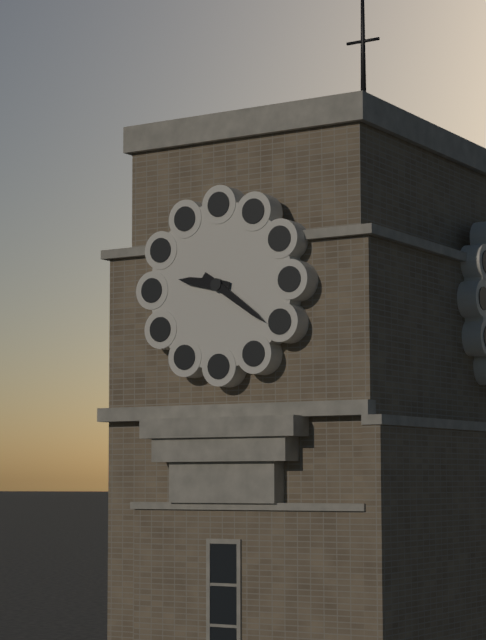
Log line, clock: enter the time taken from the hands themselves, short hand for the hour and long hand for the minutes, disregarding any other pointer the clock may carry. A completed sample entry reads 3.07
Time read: 9.21
